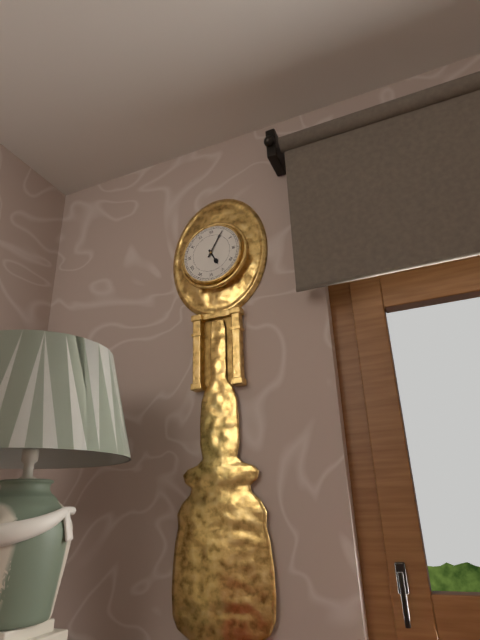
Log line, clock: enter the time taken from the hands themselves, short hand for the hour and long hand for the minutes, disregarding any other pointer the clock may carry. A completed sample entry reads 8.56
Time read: 5.05
